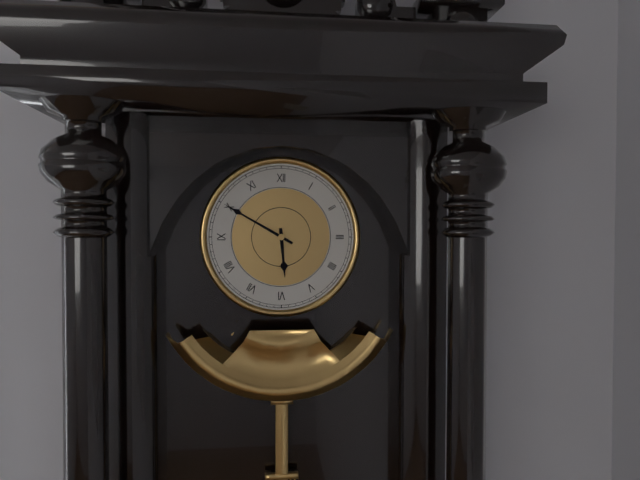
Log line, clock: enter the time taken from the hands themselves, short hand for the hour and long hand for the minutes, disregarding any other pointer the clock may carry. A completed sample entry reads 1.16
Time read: 5.50
